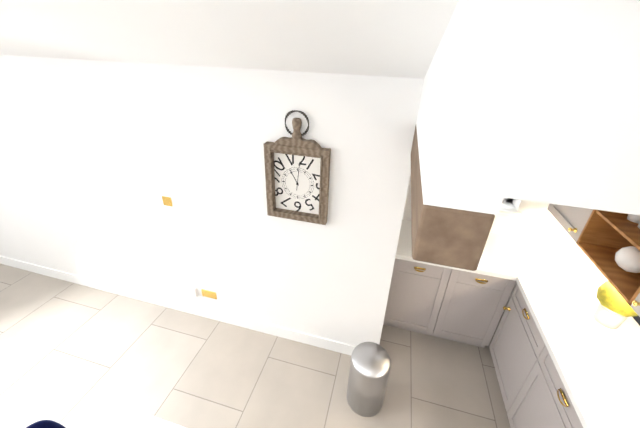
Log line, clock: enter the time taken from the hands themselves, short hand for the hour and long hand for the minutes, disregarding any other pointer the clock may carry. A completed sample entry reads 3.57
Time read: 11.01
